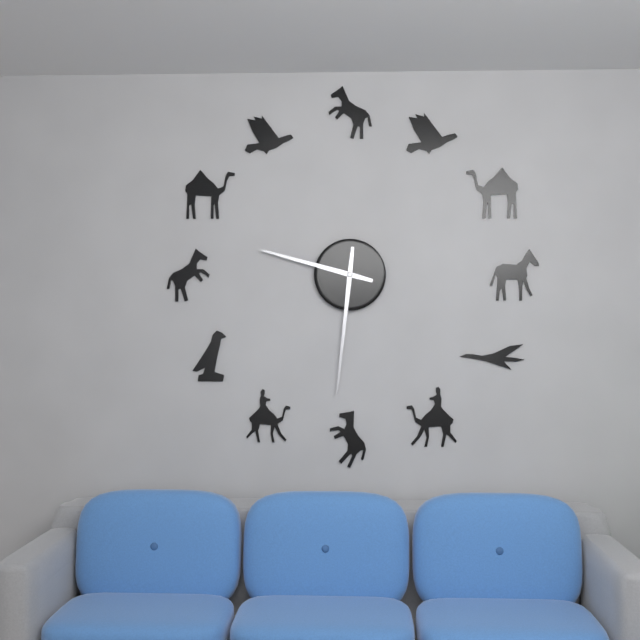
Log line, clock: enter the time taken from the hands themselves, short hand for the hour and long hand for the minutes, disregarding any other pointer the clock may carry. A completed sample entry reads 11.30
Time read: 9.31
